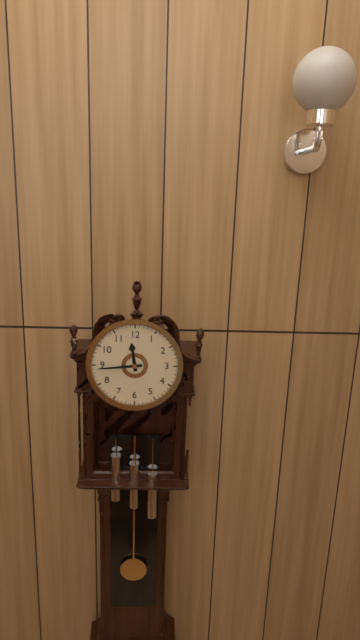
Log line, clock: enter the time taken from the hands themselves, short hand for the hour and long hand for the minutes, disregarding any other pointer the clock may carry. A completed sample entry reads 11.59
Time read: 11.44
